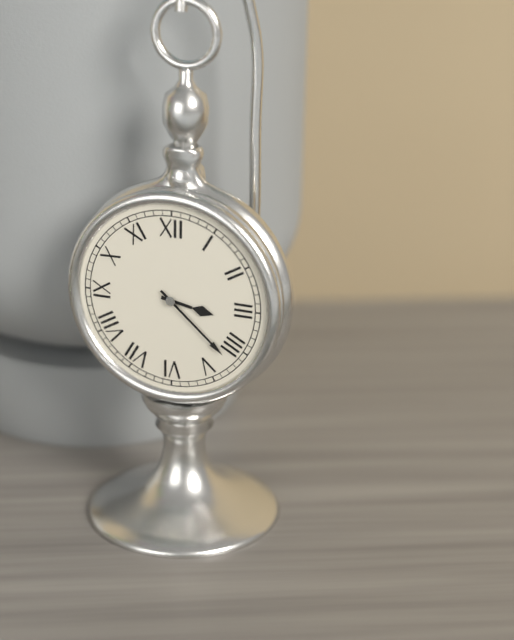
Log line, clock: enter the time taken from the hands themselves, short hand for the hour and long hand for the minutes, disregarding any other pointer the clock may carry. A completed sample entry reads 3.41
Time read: 3.22
